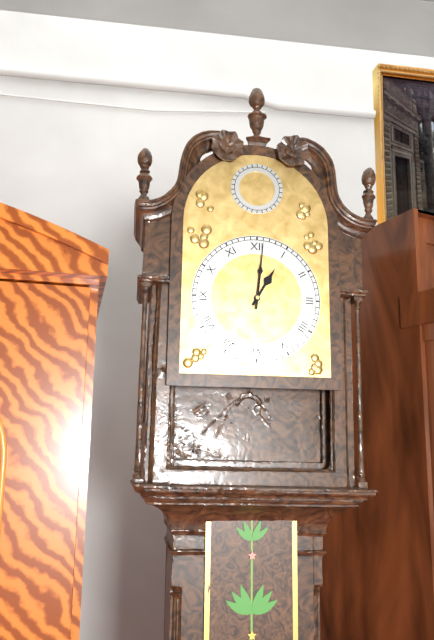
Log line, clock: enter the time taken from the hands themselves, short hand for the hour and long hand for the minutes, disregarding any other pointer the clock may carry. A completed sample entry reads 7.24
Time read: 1.01
